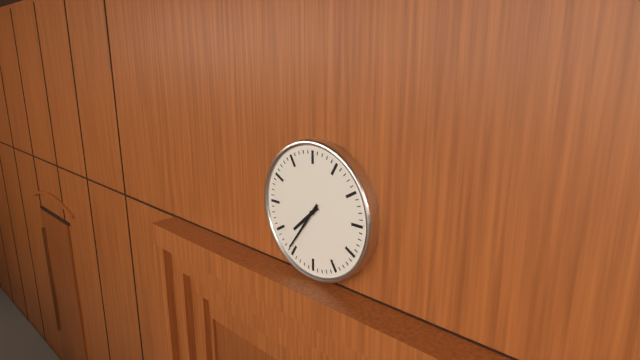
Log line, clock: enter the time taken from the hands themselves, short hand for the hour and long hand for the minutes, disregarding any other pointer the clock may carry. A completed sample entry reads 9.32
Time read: 7.36
